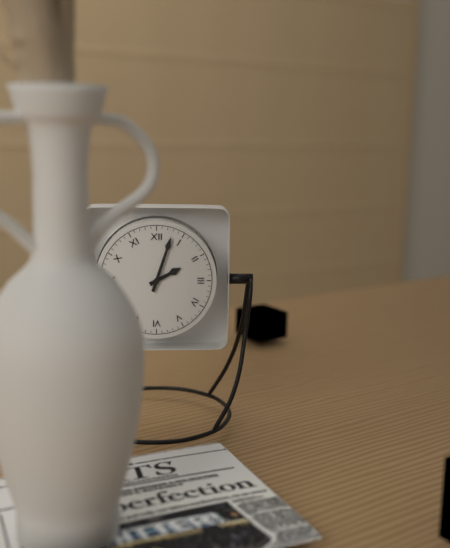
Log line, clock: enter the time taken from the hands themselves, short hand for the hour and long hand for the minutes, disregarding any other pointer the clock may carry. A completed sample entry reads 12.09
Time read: 2.03
